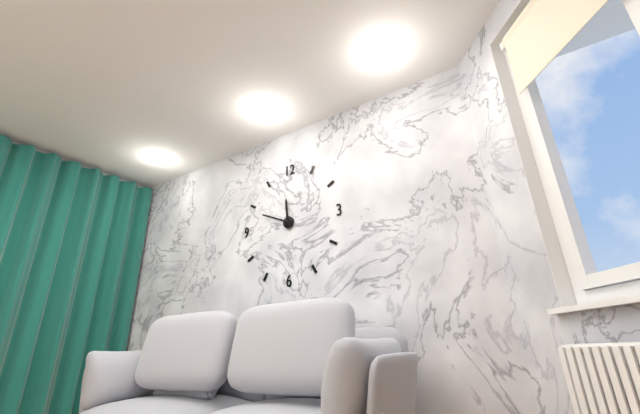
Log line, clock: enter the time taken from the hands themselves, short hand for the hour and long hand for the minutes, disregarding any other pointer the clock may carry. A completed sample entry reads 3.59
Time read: 11.49
